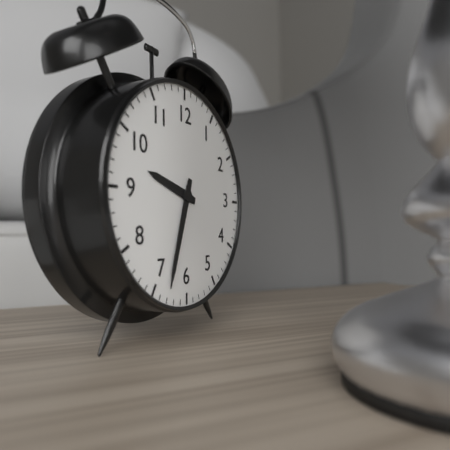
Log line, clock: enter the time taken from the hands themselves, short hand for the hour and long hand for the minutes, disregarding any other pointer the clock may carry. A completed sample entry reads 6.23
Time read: 9.33
